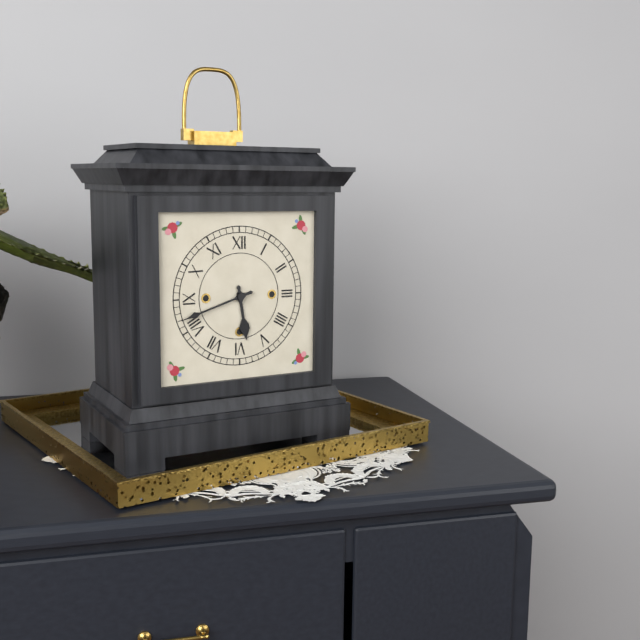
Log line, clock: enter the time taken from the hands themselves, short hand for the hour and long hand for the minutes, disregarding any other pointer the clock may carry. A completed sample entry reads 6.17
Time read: 5.42
